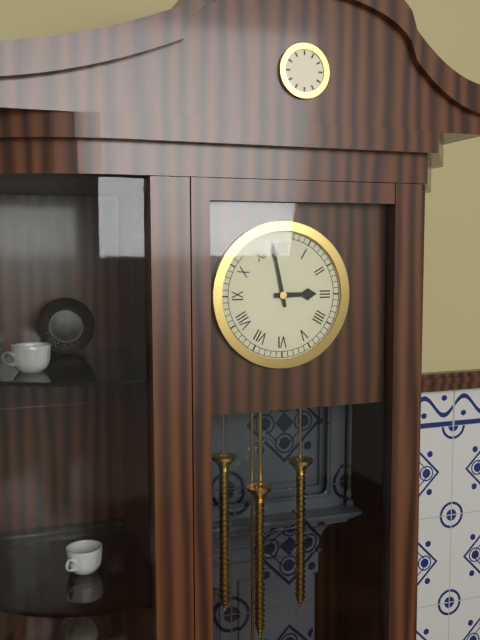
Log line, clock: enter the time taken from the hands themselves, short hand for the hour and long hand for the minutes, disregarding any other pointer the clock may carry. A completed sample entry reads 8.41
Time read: 2.58
